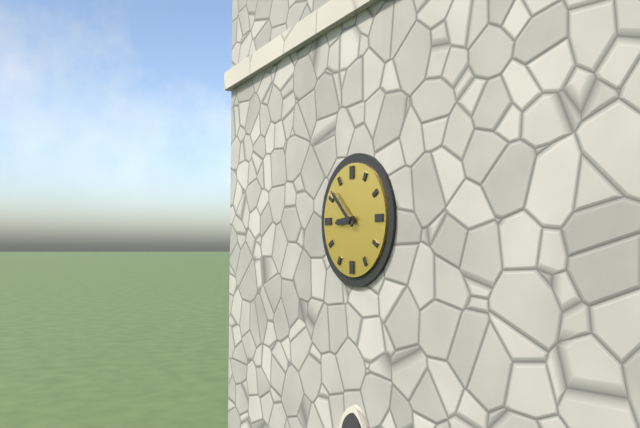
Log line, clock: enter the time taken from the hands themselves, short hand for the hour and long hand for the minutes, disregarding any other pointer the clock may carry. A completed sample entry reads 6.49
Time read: 8.52
